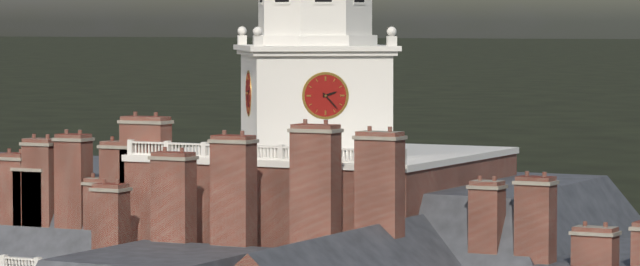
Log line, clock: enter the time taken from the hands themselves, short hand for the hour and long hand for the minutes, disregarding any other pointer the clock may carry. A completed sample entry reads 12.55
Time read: 2.23
